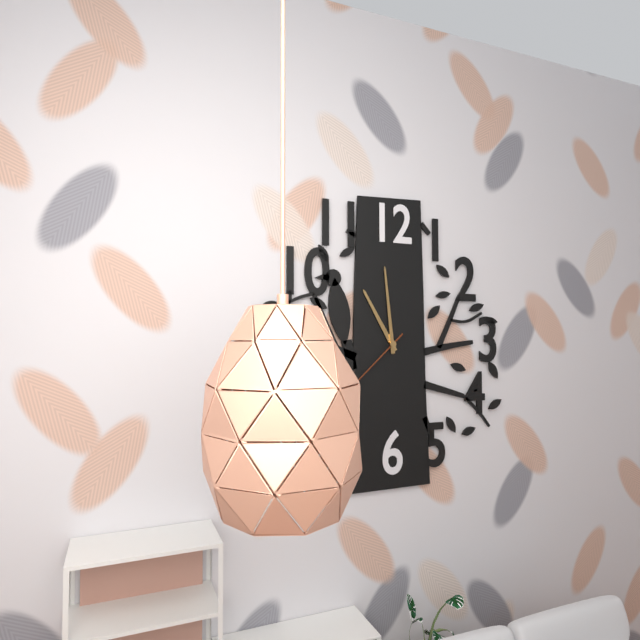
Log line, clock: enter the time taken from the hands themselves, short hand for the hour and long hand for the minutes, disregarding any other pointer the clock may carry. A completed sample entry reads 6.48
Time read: 10.59
